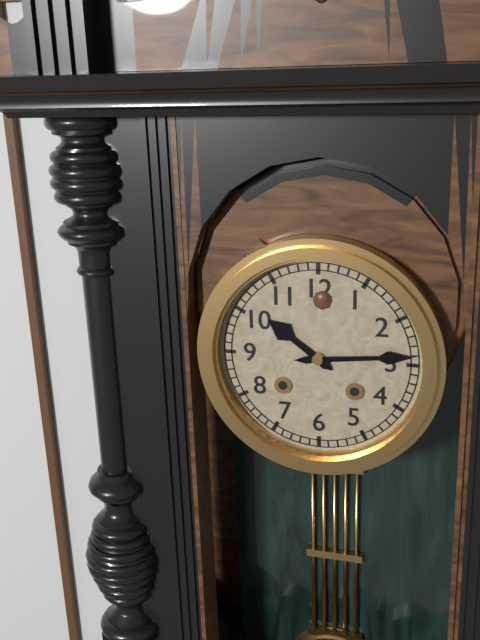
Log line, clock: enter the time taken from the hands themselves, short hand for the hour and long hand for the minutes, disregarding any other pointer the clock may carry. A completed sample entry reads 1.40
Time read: 10.14
